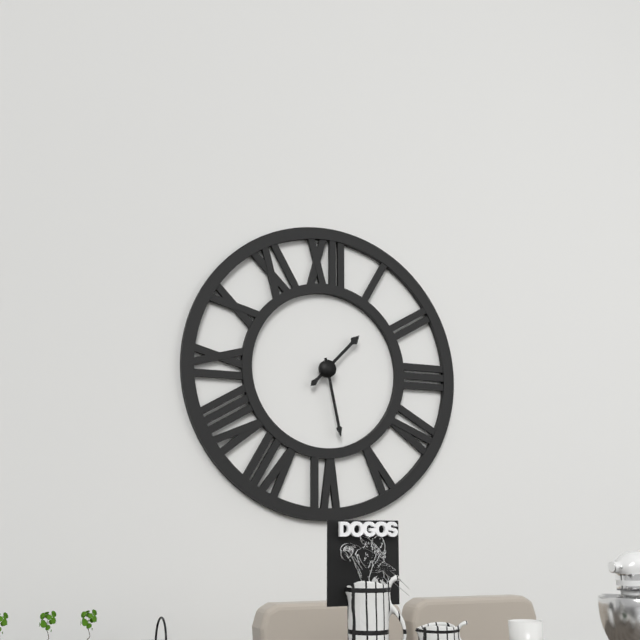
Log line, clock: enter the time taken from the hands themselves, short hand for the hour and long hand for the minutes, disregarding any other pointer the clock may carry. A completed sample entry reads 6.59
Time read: 1.28
